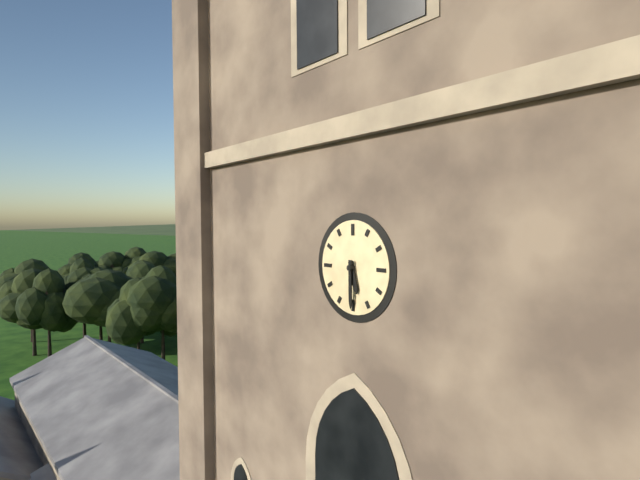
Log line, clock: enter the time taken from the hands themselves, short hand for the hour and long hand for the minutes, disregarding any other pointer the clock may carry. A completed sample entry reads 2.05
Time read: 5.30
